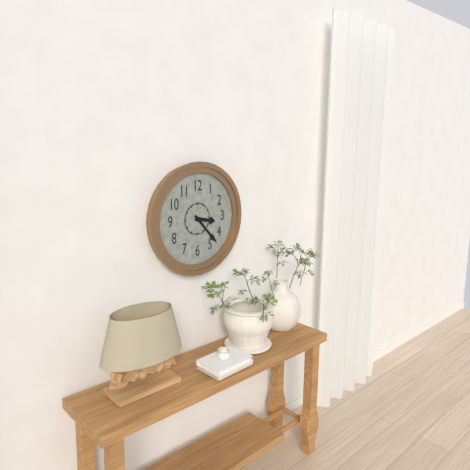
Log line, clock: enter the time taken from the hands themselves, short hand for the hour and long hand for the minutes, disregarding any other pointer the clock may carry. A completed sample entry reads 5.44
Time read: 3.23
